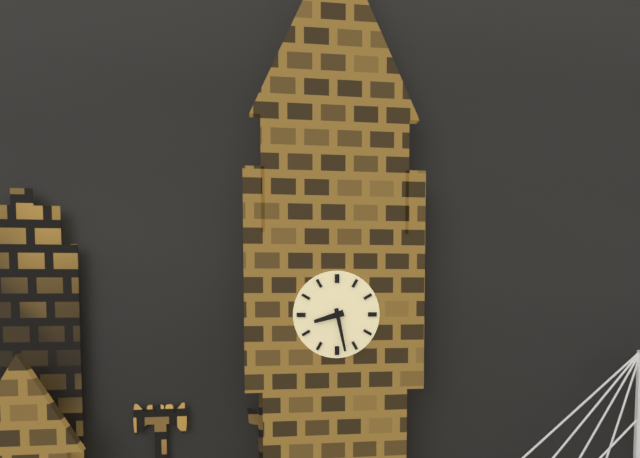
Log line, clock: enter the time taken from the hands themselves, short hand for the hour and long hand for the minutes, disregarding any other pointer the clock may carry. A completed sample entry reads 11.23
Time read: 8.28
